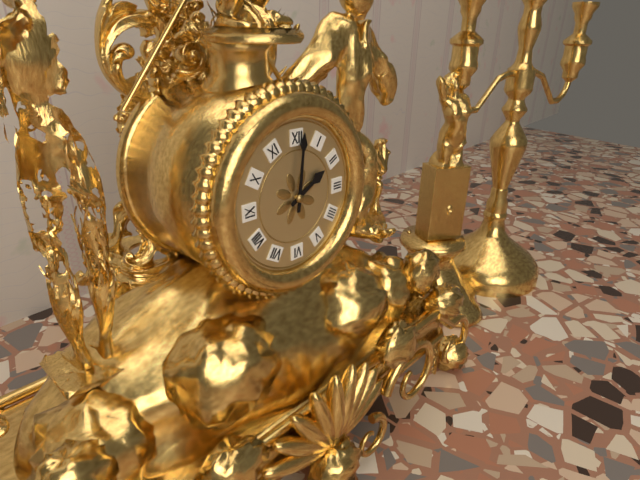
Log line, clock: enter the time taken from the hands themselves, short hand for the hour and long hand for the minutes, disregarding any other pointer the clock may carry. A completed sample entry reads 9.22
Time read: 2.01
